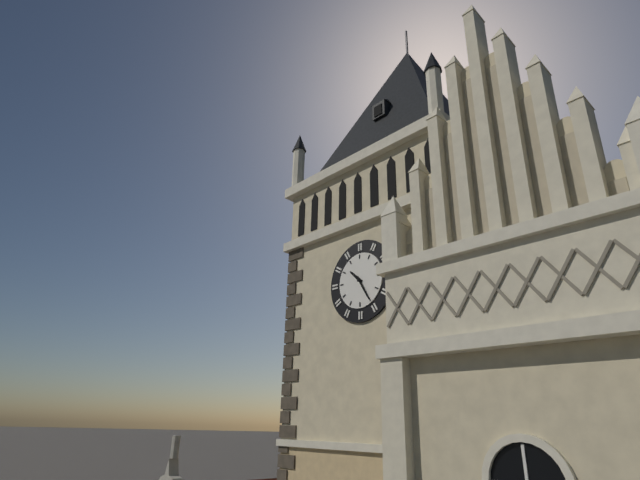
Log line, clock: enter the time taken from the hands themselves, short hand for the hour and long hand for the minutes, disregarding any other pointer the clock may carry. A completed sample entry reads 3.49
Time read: 10.25
